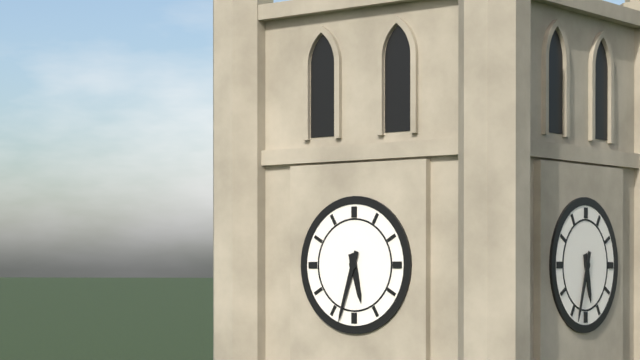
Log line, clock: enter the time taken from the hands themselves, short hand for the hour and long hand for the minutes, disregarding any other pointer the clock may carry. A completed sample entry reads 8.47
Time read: 5.33
